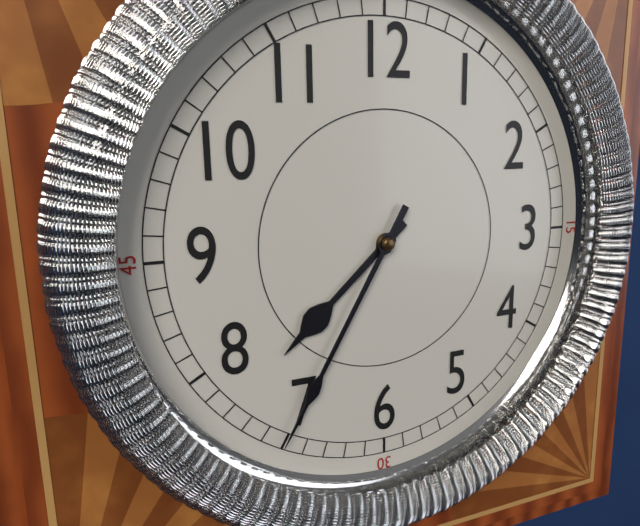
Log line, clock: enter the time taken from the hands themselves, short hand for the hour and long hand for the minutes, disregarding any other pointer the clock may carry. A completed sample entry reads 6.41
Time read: 7.35
